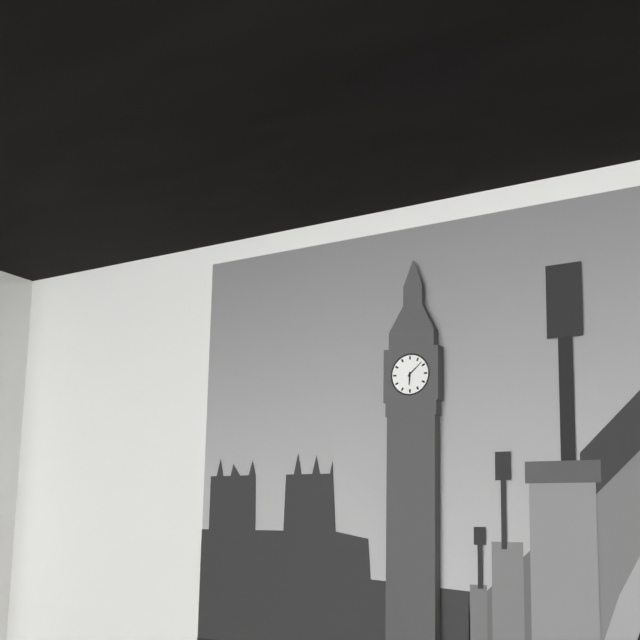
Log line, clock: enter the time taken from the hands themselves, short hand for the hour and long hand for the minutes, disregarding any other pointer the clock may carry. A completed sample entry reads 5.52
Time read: 6.08
